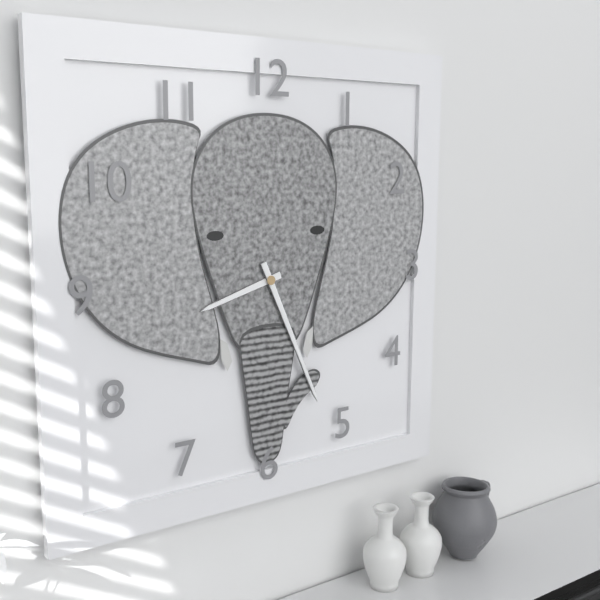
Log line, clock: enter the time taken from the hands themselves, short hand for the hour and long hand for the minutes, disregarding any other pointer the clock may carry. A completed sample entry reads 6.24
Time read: 8.26
